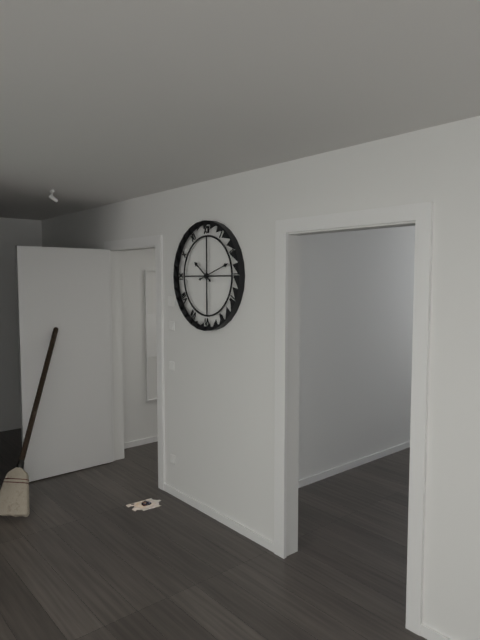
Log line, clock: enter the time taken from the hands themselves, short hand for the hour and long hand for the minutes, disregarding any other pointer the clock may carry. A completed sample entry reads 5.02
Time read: 10.12
